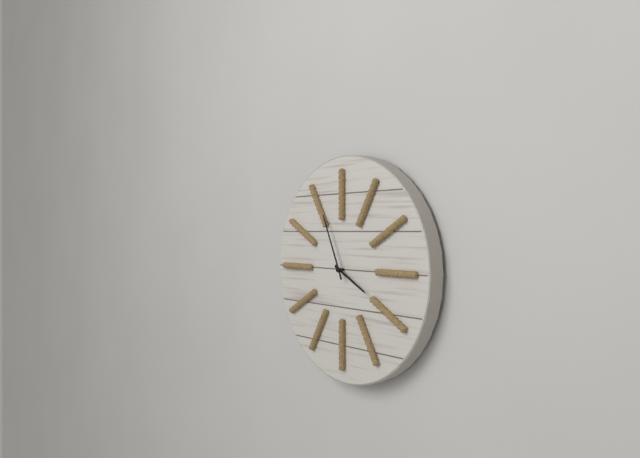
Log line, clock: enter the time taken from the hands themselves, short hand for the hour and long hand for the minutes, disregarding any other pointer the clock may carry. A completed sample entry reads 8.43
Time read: 3.56
